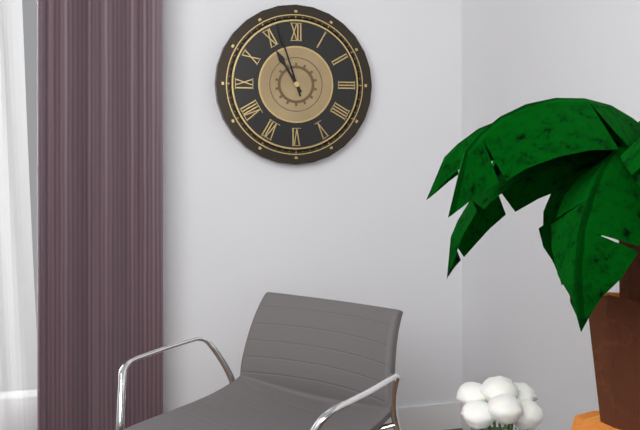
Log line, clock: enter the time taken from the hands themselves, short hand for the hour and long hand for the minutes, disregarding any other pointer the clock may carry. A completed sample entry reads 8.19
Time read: 10.57
